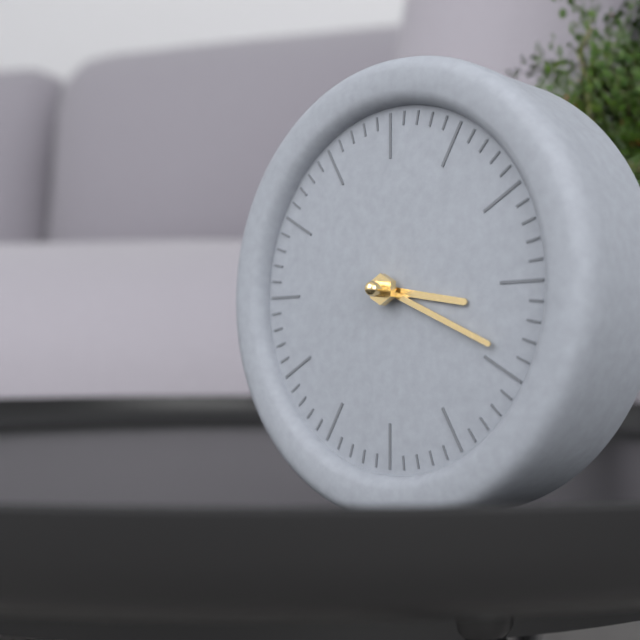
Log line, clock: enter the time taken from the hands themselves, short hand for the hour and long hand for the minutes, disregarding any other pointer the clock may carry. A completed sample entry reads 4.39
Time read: 3.19
